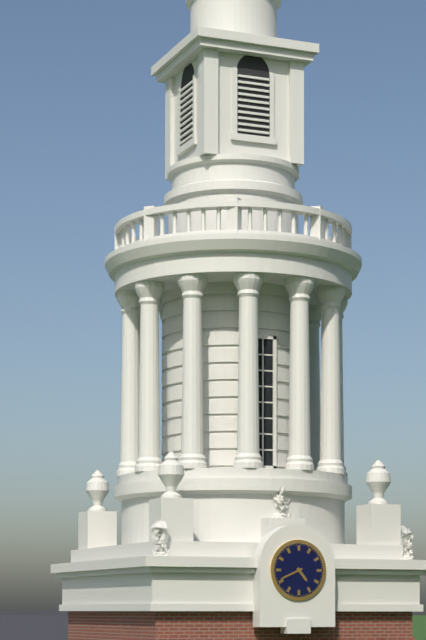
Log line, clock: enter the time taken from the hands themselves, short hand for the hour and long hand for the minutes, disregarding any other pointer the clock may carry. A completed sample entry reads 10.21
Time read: 4.41
